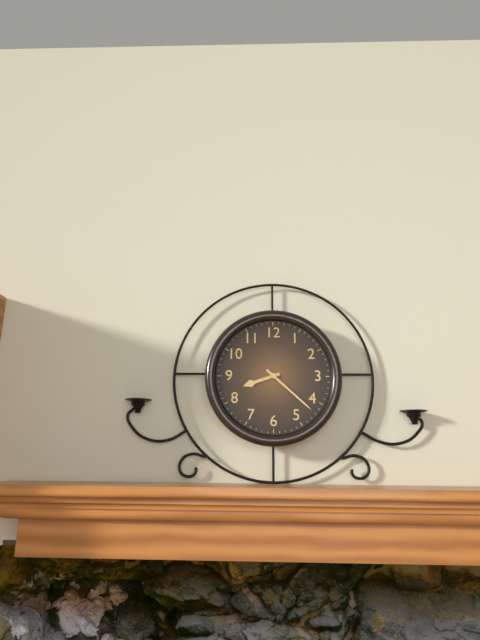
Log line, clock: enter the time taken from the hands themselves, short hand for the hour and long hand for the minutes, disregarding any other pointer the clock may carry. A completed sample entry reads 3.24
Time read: 8.22
